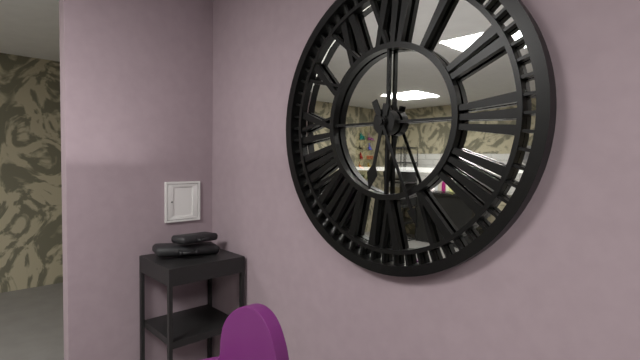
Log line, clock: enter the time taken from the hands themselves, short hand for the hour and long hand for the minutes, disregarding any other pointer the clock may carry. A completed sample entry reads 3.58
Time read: 6.26
